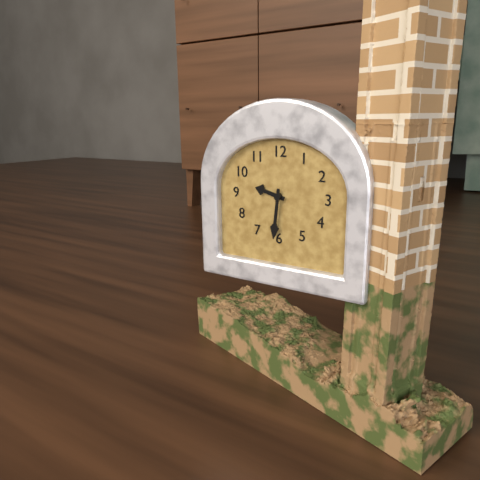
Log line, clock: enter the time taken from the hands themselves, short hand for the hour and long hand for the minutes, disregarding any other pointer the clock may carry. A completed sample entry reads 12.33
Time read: 9.31
